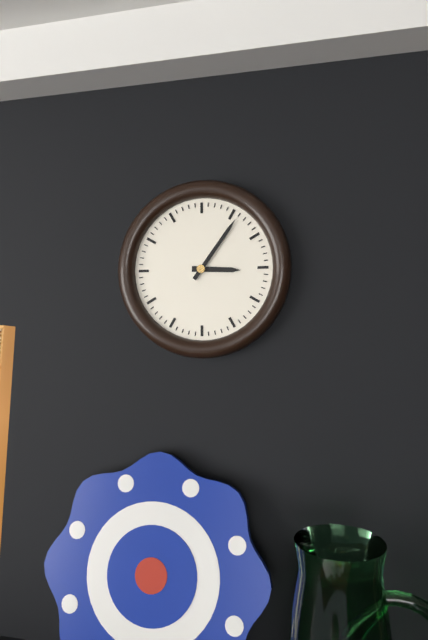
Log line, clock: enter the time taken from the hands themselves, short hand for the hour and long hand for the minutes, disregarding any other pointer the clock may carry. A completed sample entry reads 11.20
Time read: 3.06
